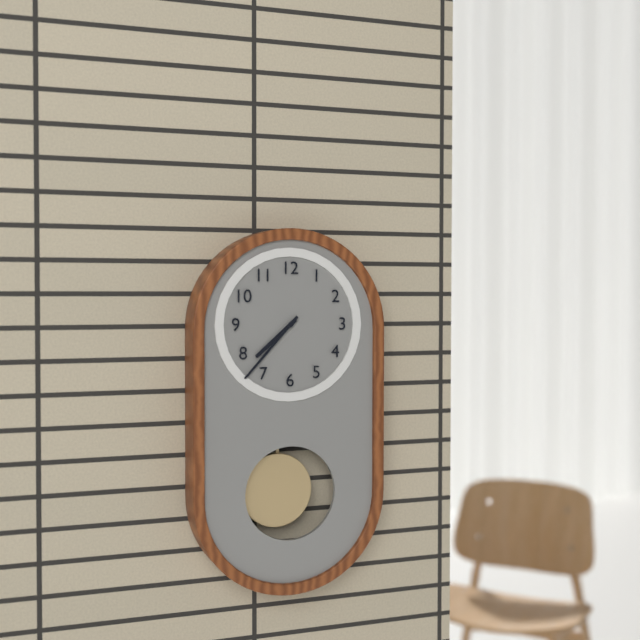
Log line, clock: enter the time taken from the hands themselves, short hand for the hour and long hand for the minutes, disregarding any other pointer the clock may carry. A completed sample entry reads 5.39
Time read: 7.37
